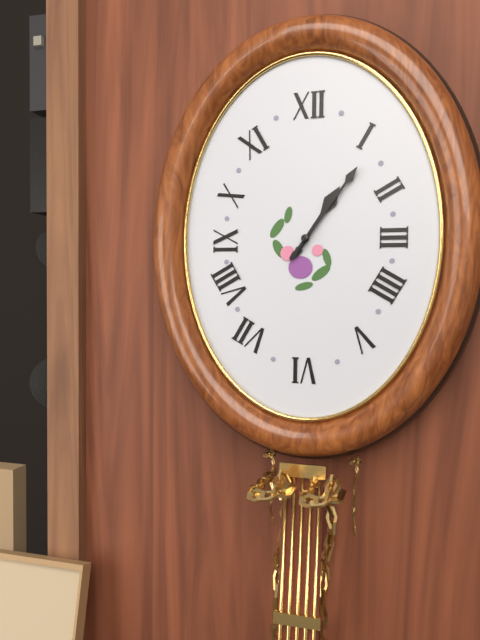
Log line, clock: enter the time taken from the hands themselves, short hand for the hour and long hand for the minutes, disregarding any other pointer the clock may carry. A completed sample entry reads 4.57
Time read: 1.06
